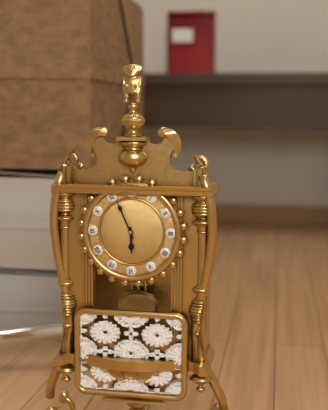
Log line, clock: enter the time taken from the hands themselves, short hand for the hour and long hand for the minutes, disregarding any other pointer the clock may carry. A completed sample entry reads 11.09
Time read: 5.56
